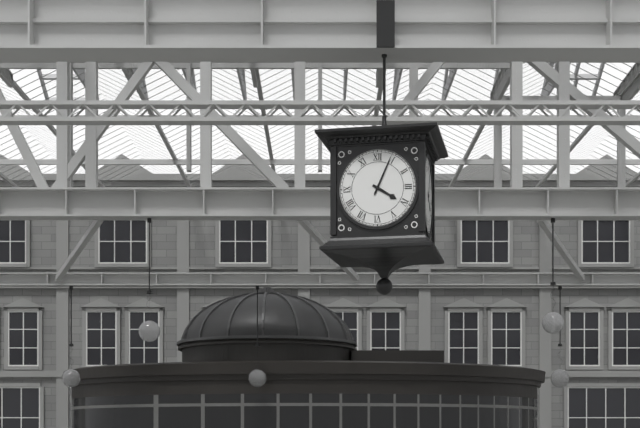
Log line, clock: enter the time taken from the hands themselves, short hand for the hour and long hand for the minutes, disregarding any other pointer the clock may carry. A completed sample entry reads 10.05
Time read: 4.04
